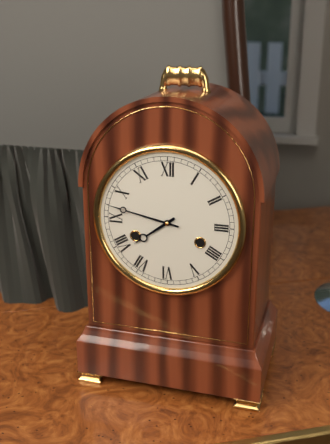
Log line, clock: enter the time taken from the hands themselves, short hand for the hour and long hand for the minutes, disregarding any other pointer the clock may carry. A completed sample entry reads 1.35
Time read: 7.47
